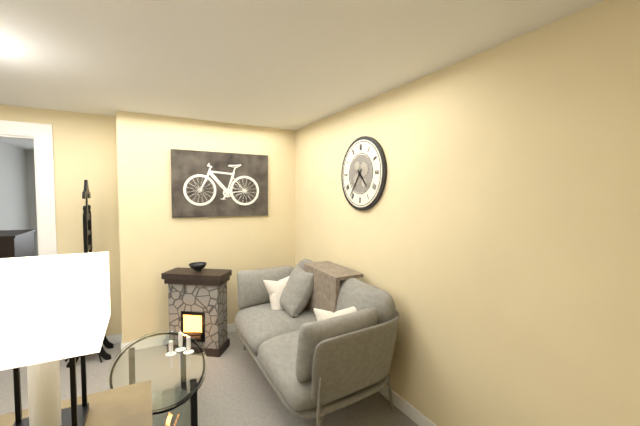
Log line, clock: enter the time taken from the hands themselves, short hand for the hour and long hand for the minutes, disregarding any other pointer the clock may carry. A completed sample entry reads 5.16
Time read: 4.36
